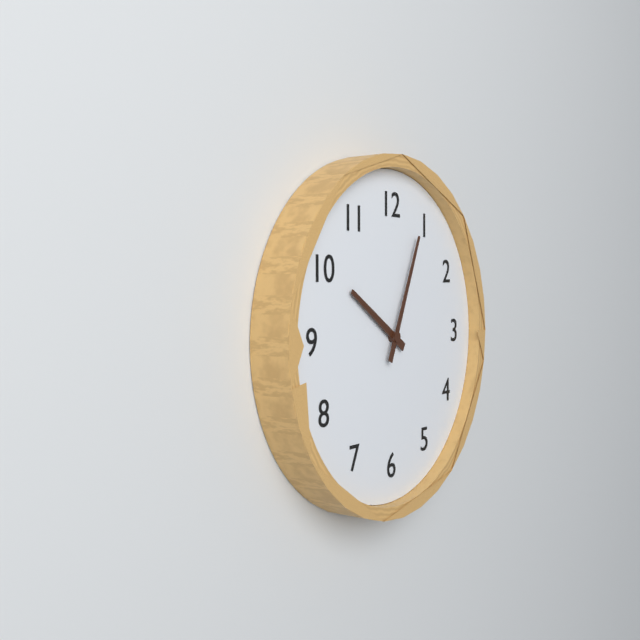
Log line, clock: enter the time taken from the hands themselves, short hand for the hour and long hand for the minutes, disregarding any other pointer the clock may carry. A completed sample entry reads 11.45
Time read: 10.04
